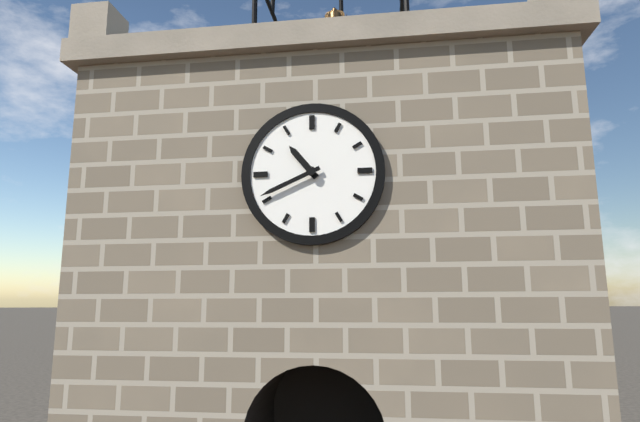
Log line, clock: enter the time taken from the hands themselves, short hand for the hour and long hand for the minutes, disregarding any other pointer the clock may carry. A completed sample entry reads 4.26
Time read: 10.41
